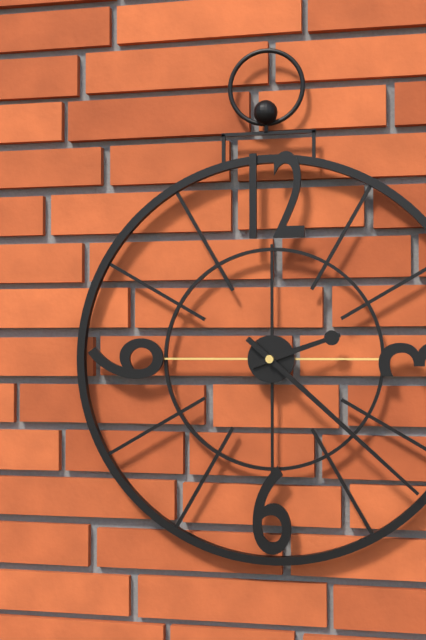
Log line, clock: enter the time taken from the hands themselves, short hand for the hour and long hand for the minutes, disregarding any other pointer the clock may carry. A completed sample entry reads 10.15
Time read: 2.22
